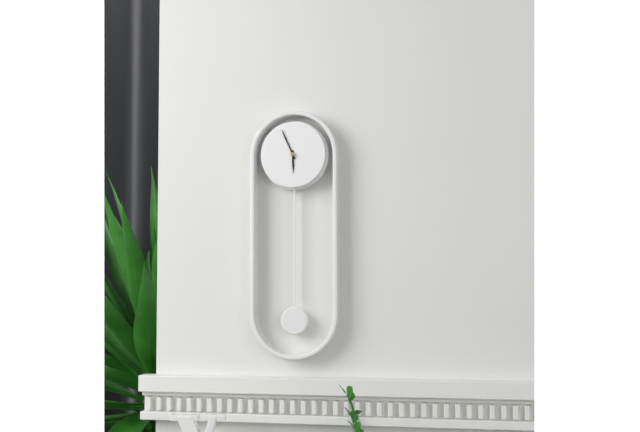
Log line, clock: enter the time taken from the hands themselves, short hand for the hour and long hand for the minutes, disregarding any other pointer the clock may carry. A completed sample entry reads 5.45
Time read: 5.56
